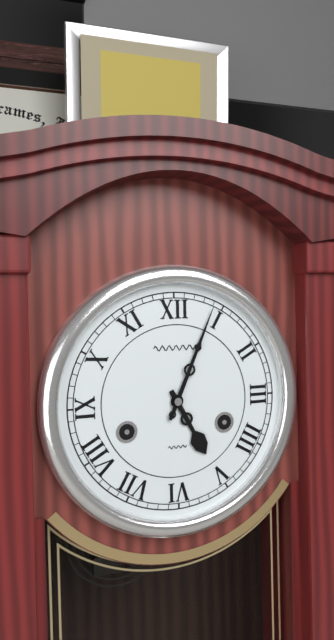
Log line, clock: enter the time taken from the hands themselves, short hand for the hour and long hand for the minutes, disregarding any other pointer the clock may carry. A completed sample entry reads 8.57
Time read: 5.04
